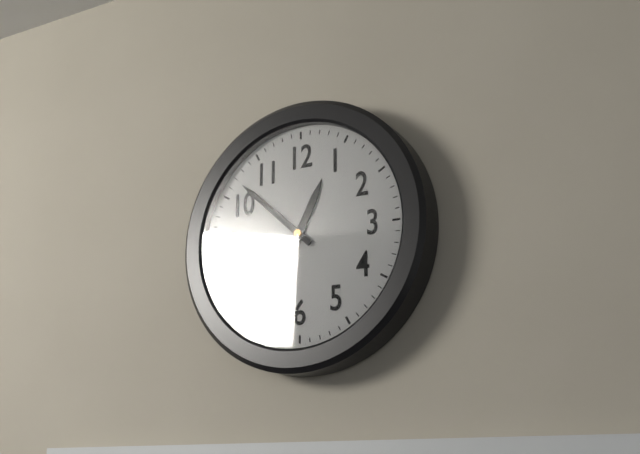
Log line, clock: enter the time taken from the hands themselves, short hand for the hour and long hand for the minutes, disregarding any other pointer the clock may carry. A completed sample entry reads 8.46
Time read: 12.52
